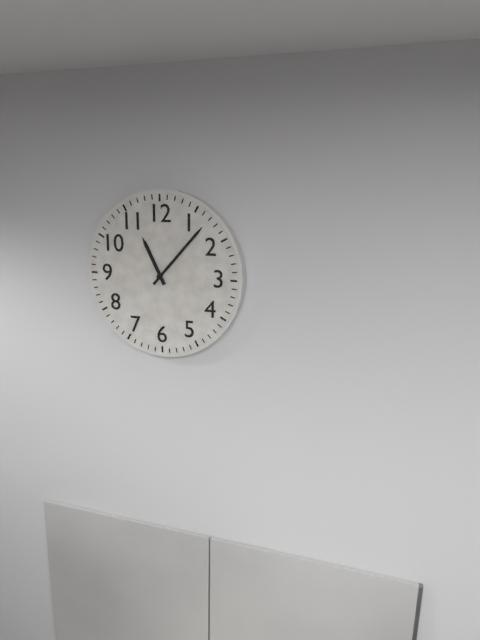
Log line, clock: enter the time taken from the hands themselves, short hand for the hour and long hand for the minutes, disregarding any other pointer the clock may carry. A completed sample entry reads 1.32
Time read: 11.07
